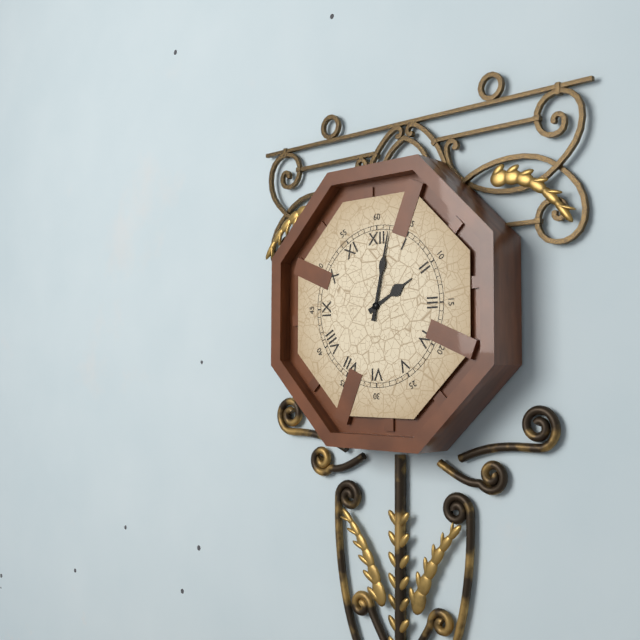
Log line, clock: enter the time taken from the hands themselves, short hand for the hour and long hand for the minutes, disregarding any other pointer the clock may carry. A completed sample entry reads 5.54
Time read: 2.02
